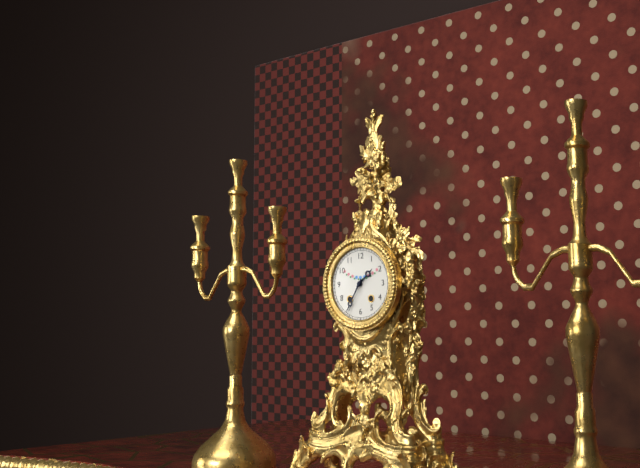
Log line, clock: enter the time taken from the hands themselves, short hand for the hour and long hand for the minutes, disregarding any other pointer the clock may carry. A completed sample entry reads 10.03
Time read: 1.35
